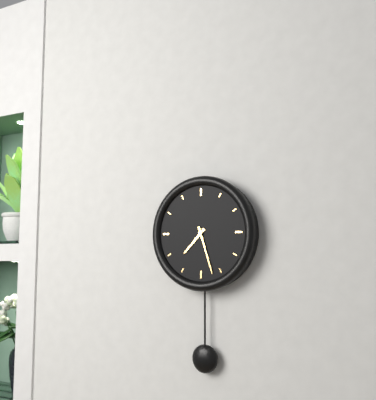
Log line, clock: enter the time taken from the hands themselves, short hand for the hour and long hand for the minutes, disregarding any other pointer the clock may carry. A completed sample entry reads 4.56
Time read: 7.27
